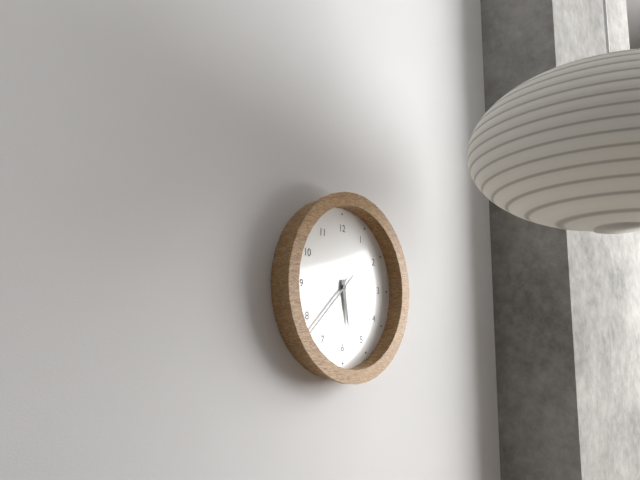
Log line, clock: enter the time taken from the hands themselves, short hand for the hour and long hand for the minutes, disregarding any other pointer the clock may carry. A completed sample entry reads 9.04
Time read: 5.38
